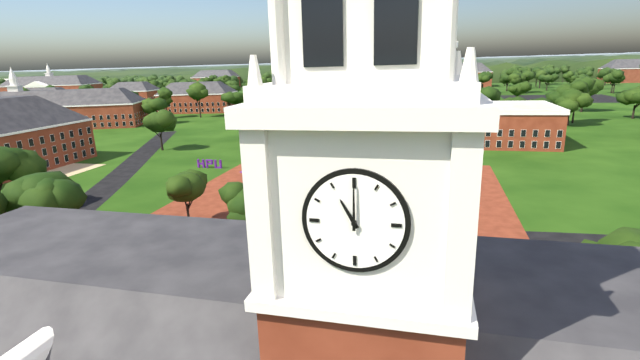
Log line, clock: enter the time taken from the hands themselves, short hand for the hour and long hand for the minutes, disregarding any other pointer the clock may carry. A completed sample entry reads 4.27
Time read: 11.00
